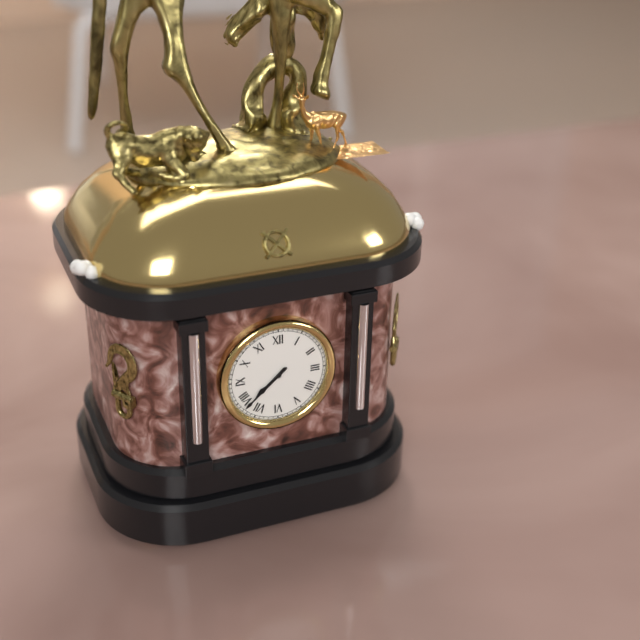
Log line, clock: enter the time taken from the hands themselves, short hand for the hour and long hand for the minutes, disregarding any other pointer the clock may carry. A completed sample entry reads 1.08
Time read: 7.38
